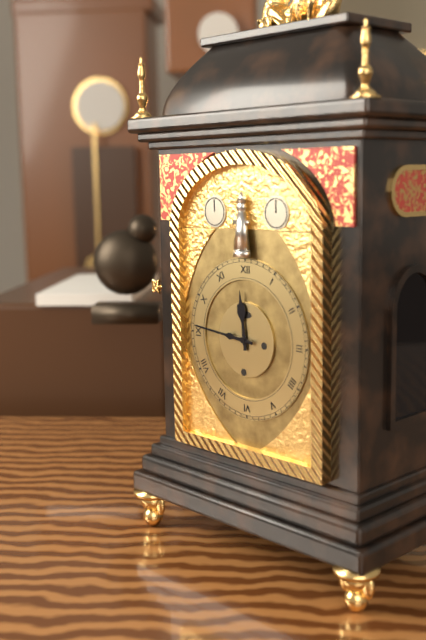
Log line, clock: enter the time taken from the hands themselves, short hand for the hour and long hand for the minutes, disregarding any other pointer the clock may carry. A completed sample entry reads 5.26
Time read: 11.46
